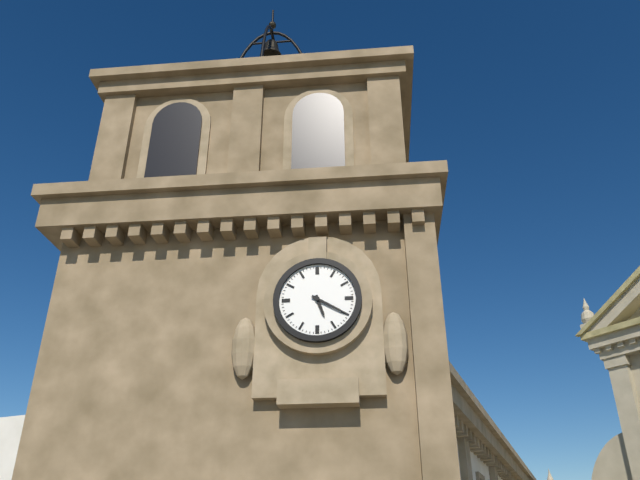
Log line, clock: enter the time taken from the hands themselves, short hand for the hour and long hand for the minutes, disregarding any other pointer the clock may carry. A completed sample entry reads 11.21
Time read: 5.20
